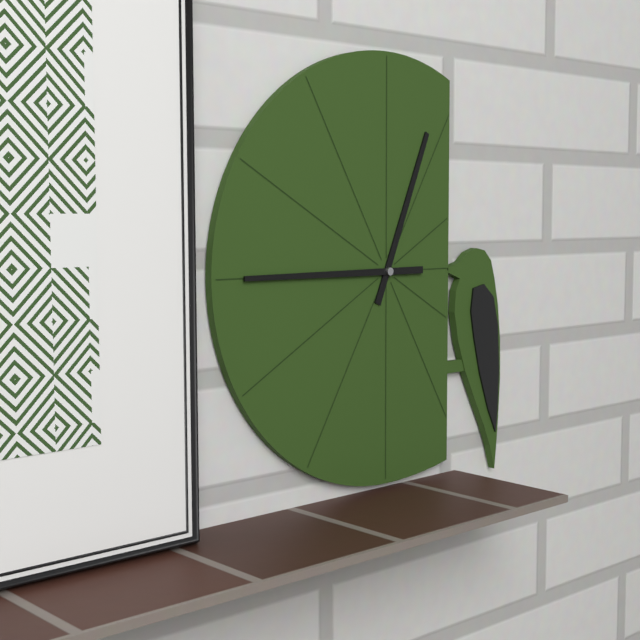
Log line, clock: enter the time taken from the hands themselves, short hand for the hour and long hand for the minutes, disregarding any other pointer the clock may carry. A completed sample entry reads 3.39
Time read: 12.45
